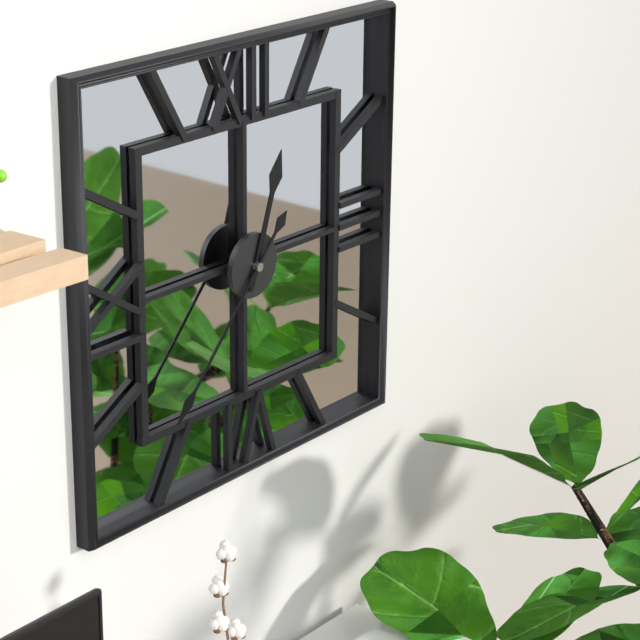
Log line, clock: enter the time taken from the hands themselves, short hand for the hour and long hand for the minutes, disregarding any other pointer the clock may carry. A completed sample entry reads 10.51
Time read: 12.37
